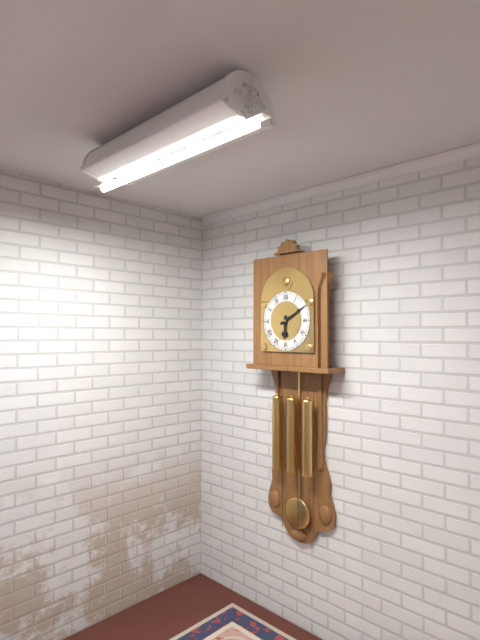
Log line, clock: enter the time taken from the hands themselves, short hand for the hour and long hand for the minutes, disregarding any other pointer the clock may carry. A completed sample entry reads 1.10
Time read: 6.10
